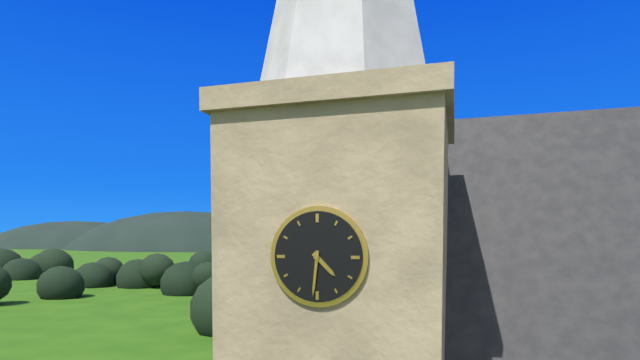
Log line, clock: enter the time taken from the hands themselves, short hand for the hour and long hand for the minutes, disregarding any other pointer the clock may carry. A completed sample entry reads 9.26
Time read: 4.31
